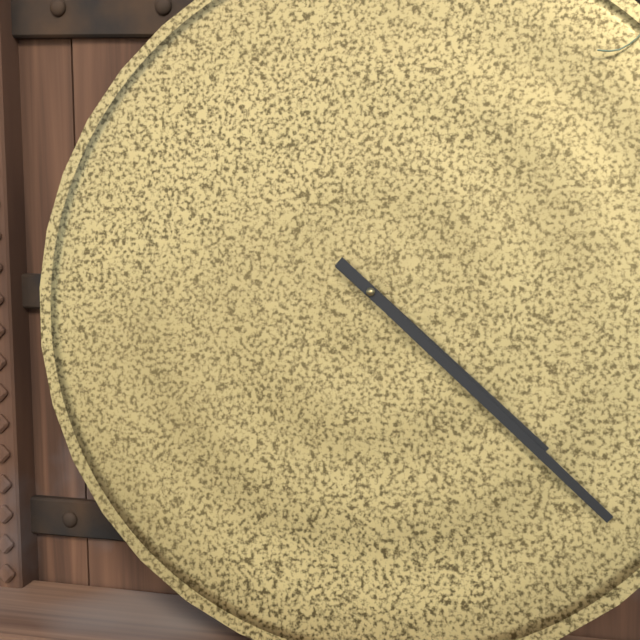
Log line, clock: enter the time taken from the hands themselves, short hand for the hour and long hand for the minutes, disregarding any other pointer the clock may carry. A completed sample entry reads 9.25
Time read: 4.22
